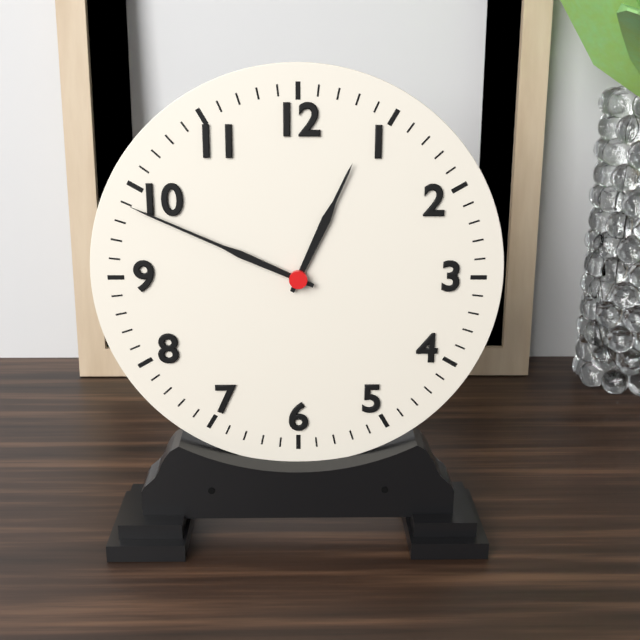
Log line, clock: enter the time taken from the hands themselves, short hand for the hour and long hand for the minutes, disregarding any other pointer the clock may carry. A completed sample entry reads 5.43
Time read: 12.49
